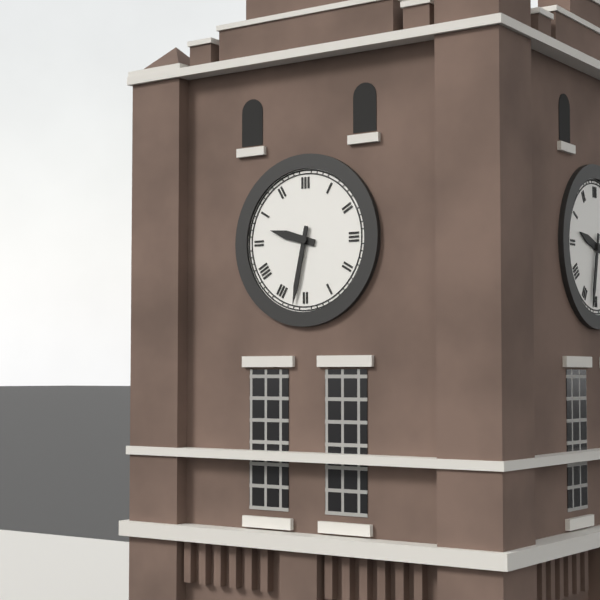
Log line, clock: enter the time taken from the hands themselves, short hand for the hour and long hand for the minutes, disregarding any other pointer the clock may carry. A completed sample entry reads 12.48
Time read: 9.32
